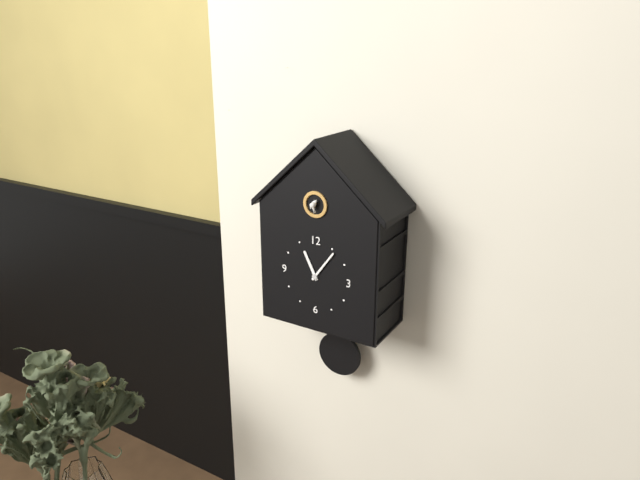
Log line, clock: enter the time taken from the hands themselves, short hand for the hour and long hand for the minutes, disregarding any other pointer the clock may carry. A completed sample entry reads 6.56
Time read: 11.06
